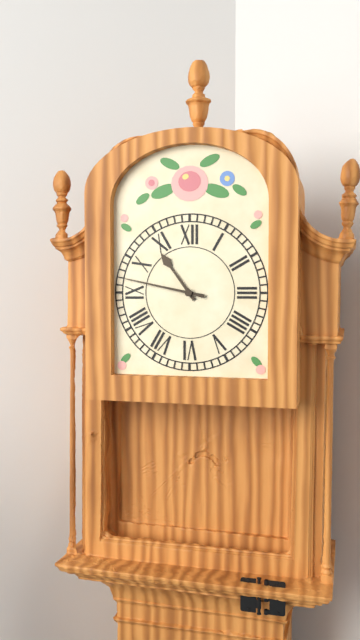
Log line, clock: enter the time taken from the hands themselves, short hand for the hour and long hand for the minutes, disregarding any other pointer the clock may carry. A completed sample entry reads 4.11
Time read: 10.47
